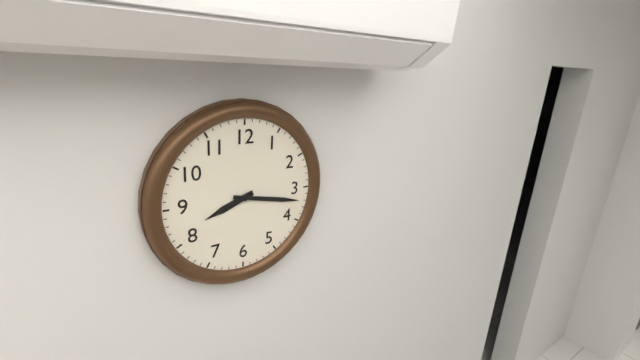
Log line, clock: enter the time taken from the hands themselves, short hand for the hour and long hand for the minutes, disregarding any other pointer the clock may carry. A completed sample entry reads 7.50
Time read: 8.17
